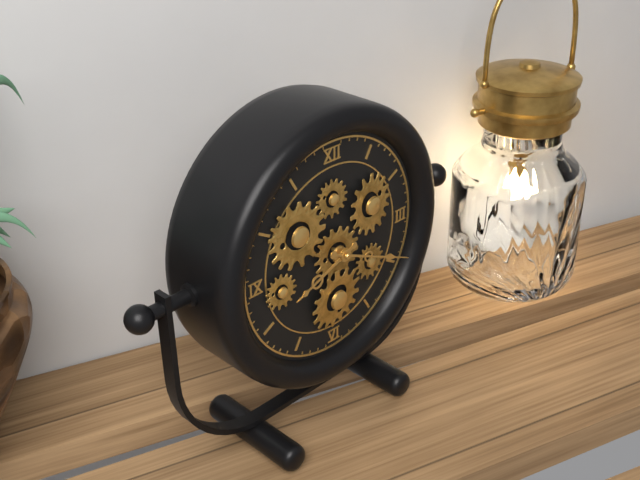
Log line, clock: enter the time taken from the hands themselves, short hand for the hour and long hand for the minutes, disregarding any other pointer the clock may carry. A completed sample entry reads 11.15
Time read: 8.19
